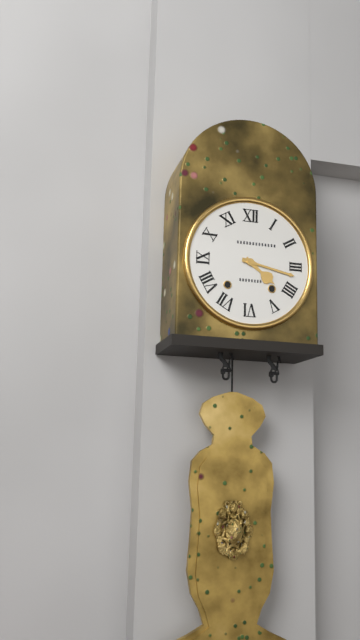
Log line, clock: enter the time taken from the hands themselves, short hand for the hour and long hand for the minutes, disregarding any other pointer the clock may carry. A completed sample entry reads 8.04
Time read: 4.17
